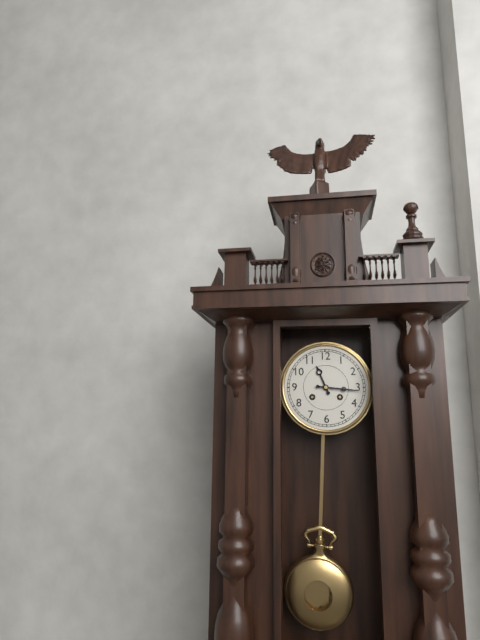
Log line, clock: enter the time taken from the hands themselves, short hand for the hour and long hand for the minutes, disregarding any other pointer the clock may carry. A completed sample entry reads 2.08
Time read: 11.16
